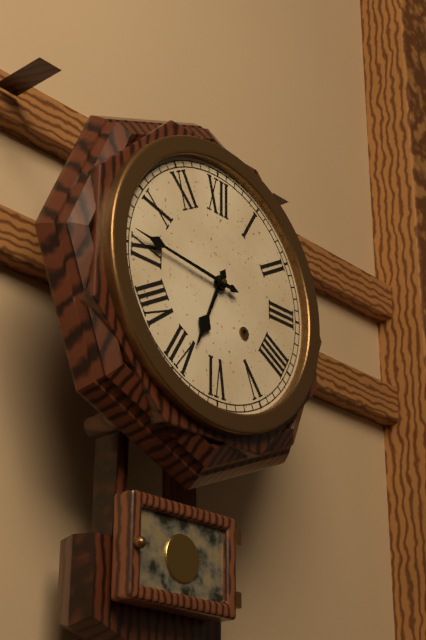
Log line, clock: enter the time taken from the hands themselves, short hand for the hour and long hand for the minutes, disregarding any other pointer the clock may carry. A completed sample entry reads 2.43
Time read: 6.46
